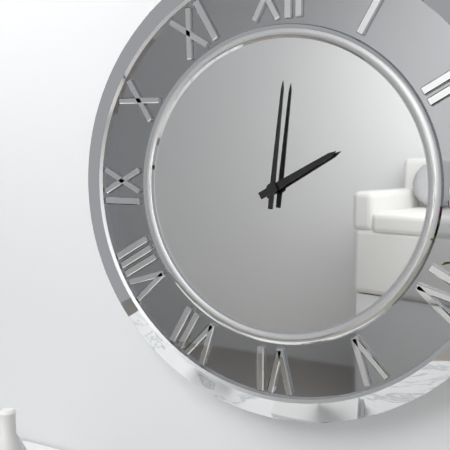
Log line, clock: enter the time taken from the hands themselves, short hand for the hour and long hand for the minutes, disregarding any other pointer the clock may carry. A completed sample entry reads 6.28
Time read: 2.01
